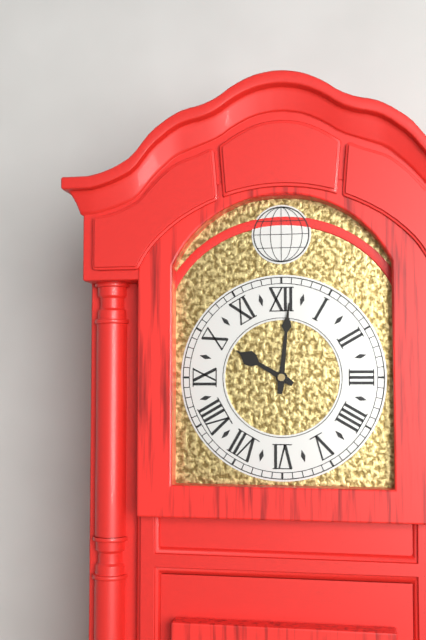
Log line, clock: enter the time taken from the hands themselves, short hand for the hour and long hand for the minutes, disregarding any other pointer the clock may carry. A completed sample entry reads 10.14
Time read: 10.01
